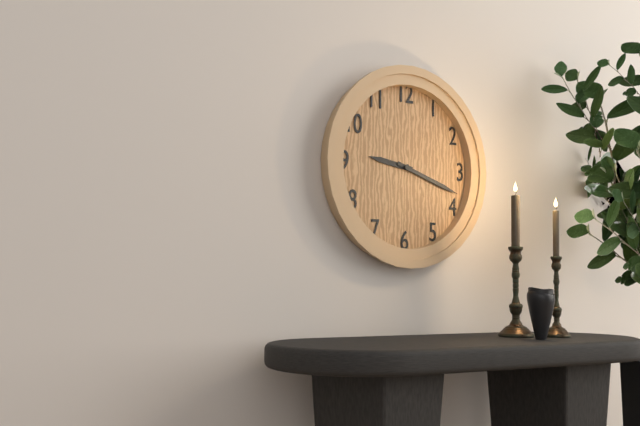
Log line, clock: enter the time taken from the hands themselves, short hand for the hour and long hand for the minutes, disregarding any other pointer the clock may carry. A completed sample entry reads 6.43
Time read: 9.18
